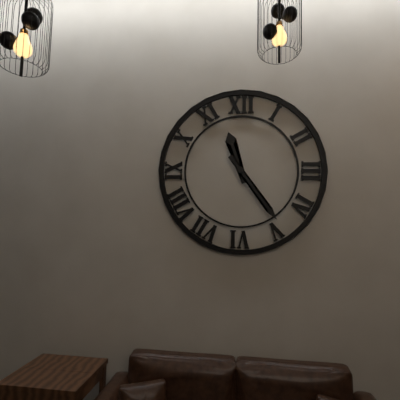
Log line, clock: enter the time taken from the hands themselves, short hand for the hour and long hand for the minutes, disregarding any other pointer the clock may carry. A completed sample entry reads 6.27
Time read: 11.24
